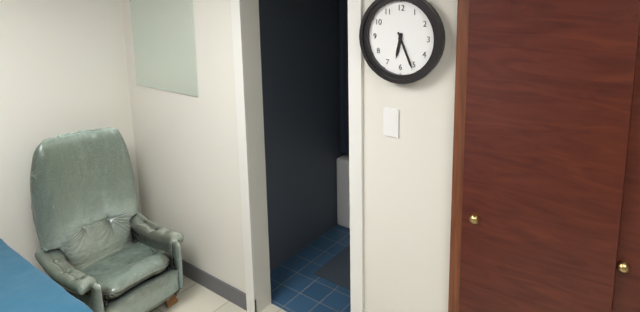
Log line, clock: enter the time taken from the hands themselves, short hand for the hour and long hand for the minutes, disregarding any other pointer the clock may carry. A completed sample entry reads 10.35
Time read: 6.26
